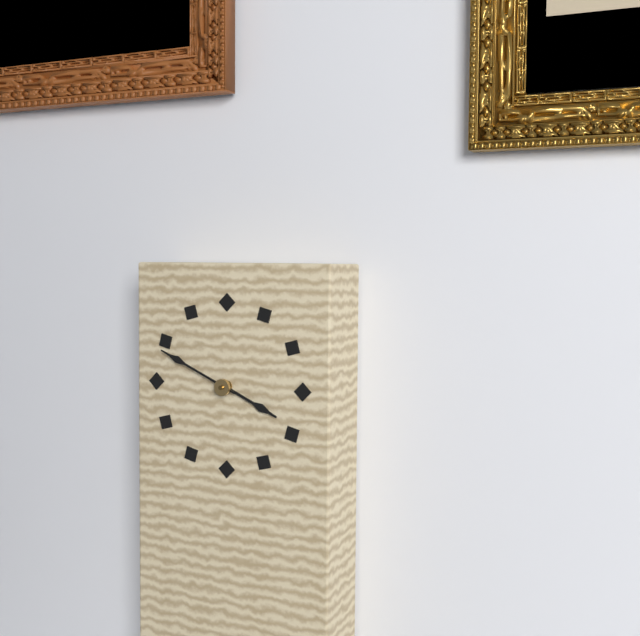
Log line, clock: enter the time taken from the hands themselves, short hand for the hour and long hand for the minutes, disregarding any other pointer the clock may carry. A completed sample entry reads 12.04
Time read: 3.49
